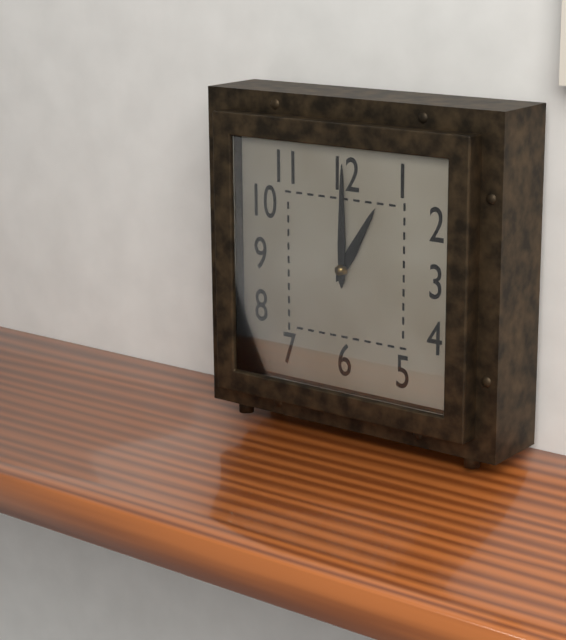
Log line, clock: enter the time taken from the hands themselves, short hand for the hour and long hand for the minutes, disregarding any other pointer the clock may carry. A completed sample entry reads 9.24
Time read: 1.00
